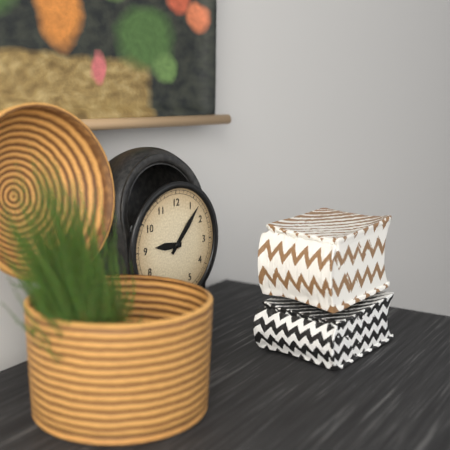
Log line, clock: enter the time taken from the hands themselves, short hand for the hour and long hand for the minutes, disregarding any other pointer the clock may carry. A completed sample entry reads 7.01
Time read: 9.07
